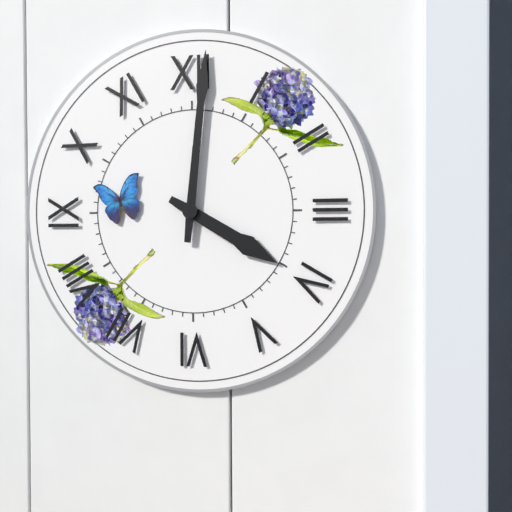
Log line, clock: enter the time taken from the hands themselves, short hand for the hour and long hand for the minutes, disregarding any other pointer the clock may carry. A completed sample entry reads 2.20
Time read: 4.01
